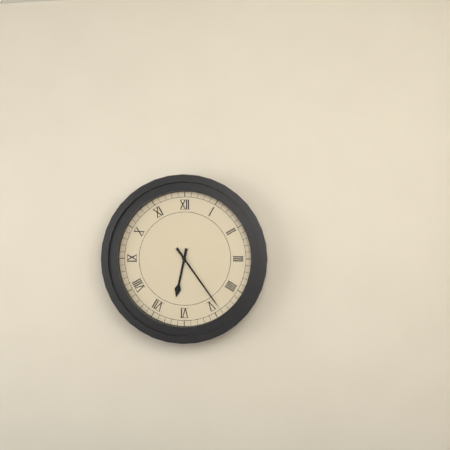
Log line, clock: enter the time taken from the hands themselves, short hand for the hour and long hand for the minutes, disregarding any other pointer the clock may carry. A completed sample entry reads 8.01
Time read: 6.24
